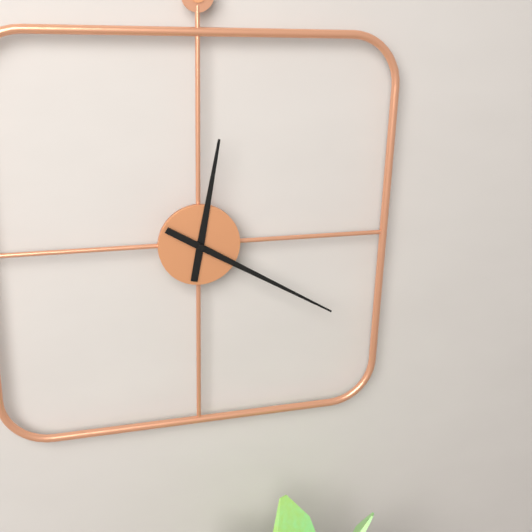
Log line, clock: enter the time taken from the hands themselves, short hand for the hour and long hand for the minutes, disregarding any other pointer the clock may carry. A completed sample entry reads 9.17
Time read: 12.20
